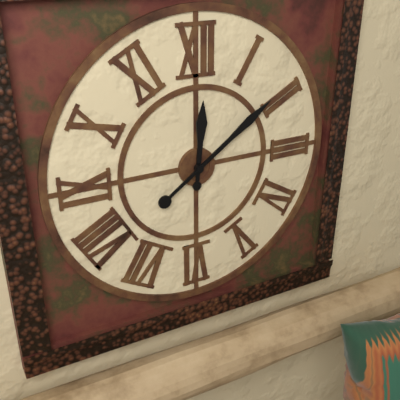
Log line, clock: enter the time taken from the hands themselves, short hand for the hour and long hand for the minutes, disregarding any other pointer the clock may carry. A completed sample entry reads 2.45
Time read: 12.09
